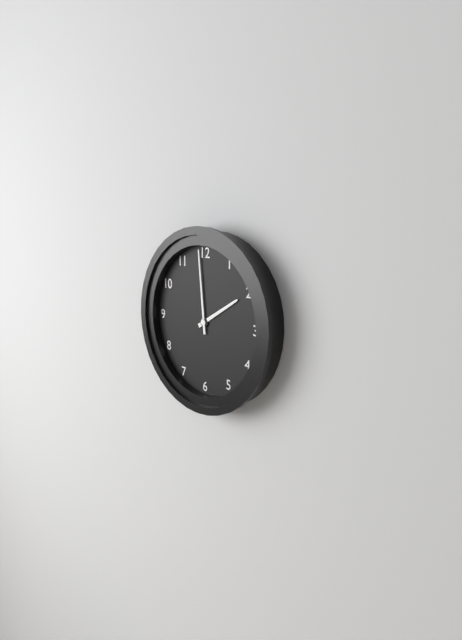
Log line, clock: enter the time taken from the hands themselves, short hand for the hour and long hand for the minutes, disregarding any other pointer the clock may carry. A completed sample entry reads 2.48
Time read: 1.59
